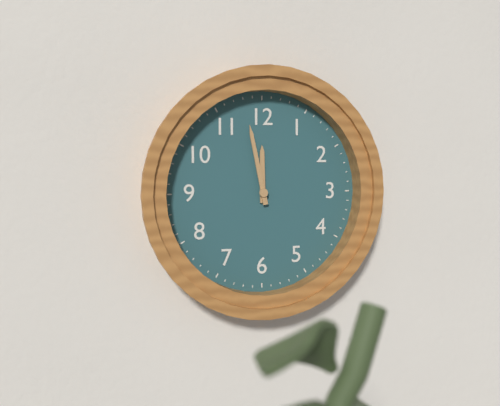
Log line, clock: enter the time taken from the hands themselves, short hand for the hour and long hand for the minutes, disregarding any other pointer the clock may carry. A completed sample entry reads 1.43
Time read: 11.58
